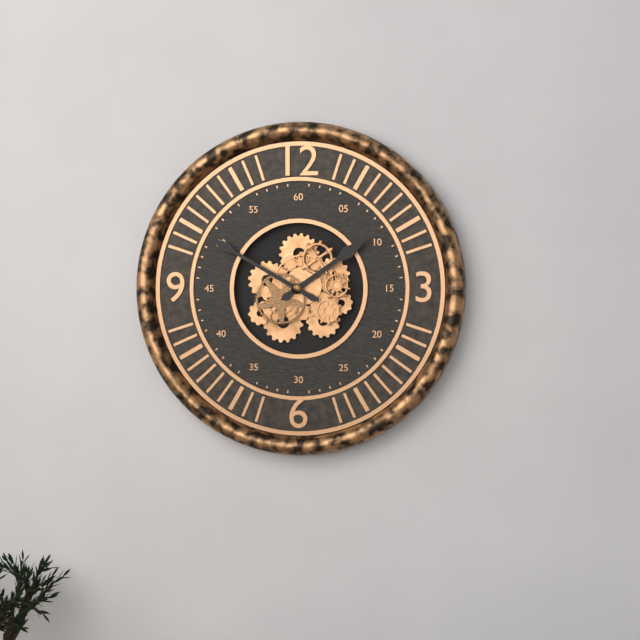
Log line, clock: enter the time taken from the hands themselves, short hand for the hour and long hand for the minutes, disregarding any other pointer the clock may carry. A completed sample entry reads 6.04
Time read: 1.50
